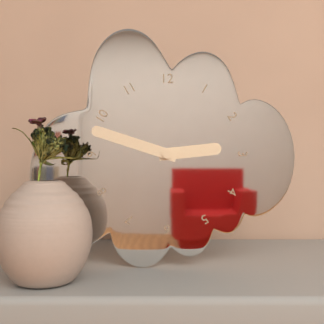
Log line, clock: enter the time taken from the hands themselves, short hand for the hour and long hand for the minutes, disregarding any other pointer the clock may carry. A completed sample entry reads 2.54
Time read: 2.48
